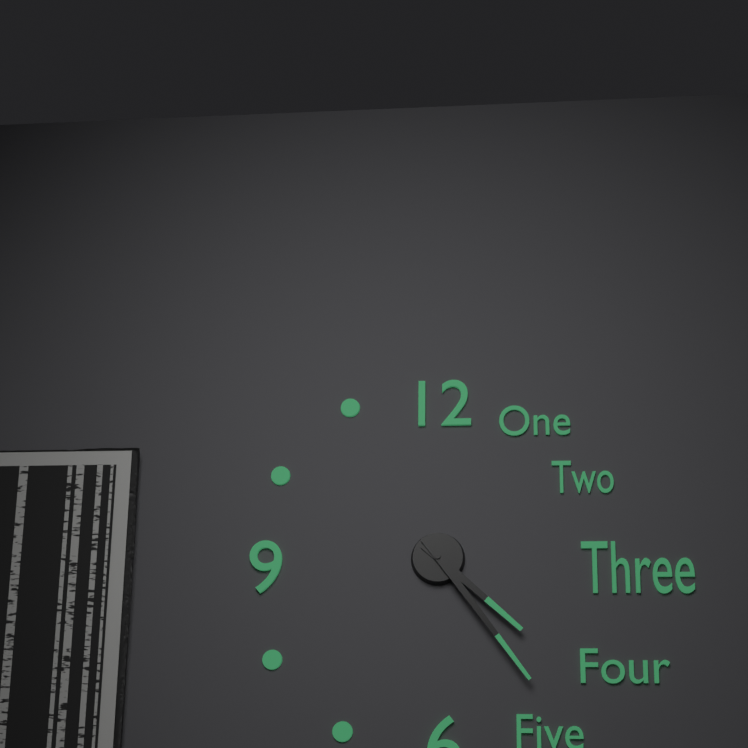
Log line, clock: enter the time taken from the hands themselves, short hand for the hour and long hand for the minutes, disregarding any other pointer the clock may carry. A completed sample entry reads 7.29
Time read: 4.24
